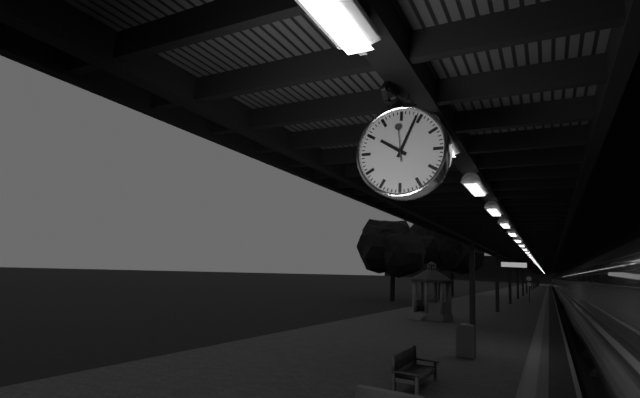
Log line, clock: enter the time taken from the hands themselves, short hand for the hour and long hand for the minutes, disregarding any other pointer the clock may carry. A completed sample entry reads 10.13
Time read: 10.04
